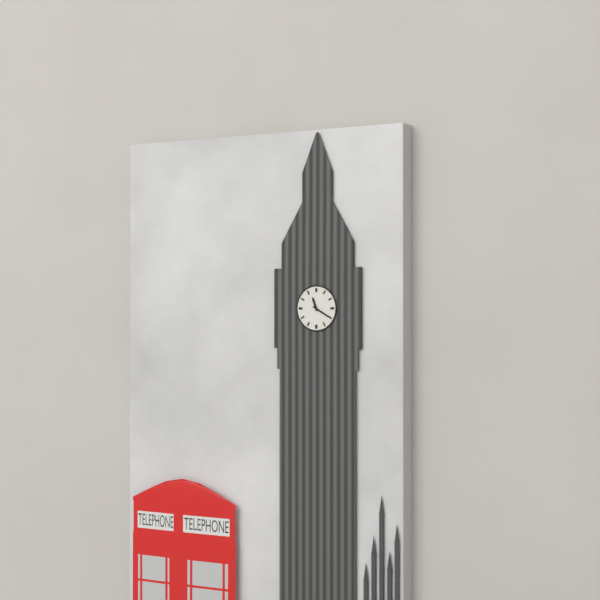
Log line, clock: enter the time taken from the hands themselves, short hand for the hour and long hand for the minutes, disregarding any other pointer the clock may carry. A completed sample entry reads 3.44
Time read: 11.20
